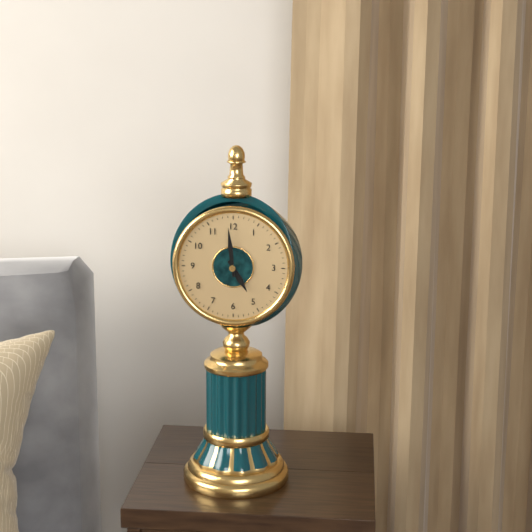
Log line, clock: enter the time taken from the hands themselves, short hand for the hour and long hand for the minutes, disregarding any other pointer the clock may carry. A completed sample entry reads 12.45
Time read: 4.59
